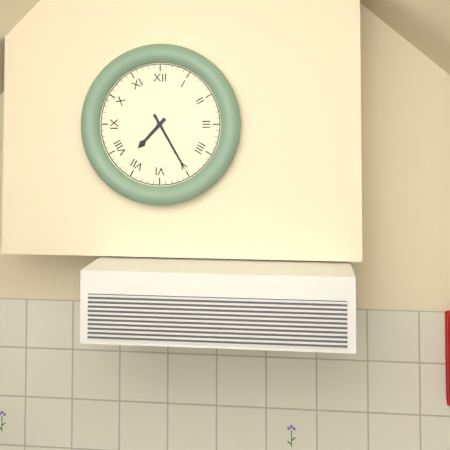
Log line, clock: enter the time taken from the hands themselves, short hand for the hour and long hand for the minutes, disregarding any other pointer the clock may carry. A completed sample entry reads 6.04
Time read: 7.25
